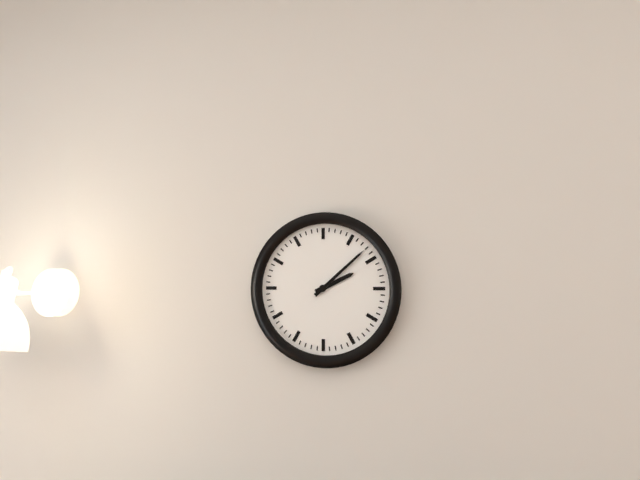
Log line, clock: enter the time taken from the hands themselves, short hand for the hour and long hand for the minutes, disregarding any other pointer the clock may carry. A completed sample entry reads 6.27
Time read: 2.08
